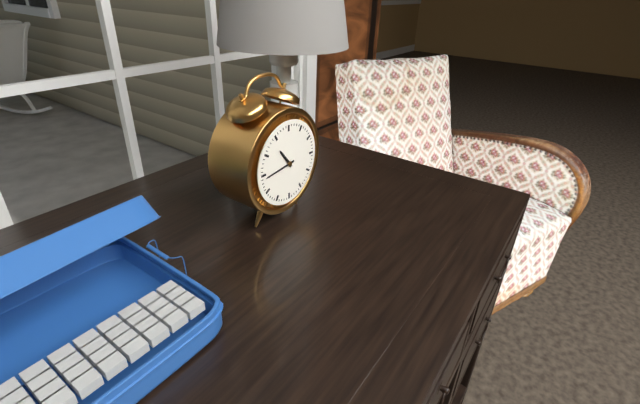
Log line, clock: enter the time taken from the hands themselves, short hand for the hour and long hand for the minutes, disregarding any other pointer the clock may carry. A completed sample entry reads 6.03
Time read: 10.44
